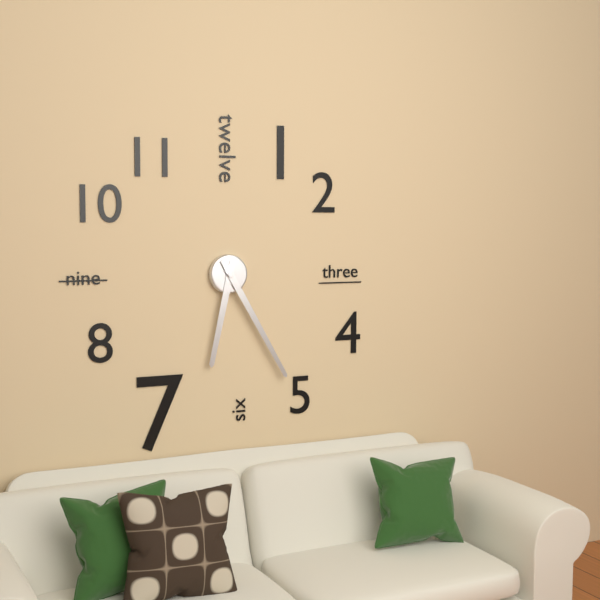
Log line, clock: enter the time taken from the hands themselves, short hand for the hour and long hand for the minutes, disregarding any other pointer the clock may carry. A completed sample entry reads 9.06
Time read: 6.25
